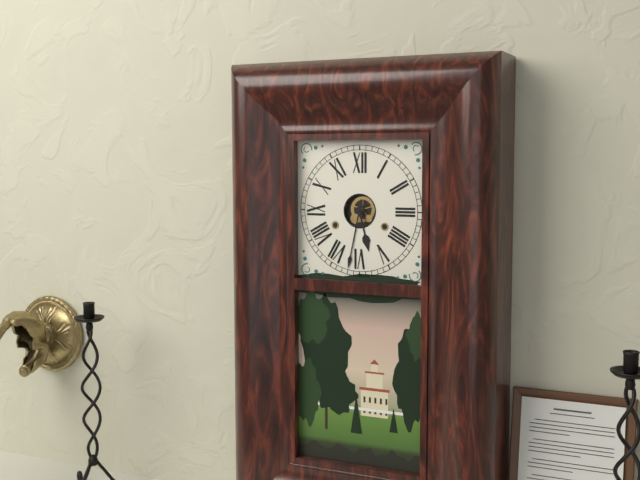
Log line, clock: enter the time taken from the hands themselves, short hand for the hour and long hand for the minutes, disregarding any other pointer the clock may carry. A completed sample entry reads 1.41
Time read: 5.32
